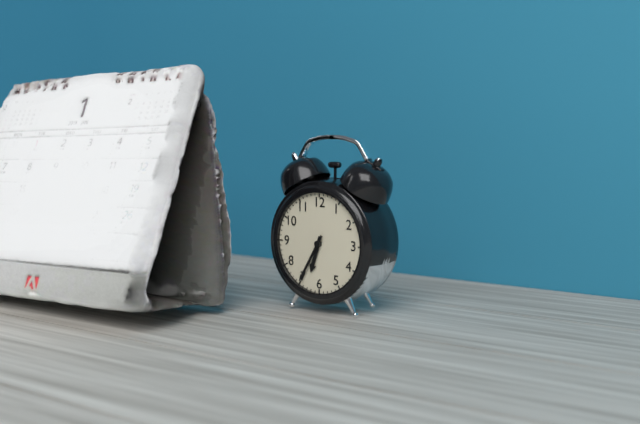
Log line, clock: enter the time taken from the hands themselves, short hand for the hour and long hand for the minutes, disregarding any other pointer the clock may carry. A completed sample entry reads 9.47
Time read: 6.35
